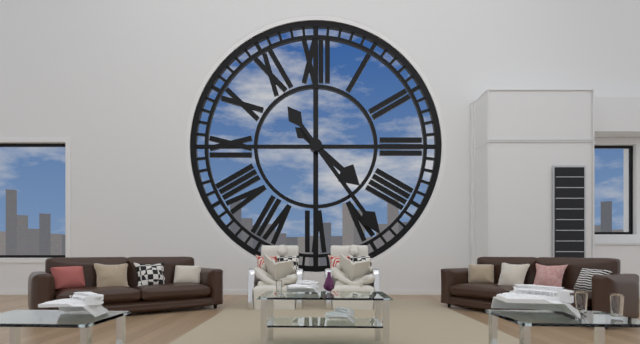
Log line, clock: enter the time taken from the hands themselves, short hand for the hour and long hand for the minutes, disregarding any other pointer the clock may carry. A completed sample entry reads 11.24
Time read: 4.24
